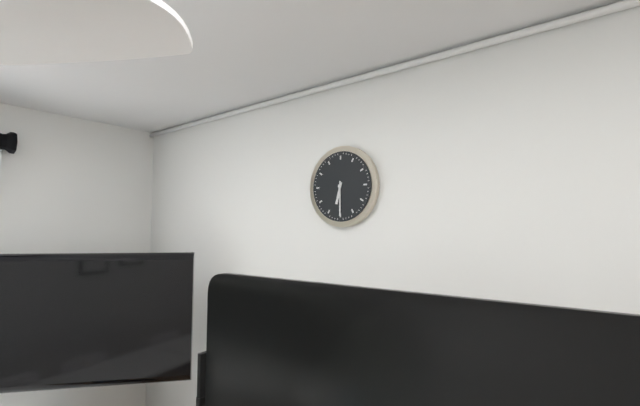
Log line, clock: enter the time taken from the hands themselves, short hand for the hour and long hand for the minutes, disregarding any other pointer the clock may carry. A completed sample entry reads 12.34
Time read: 6.30
